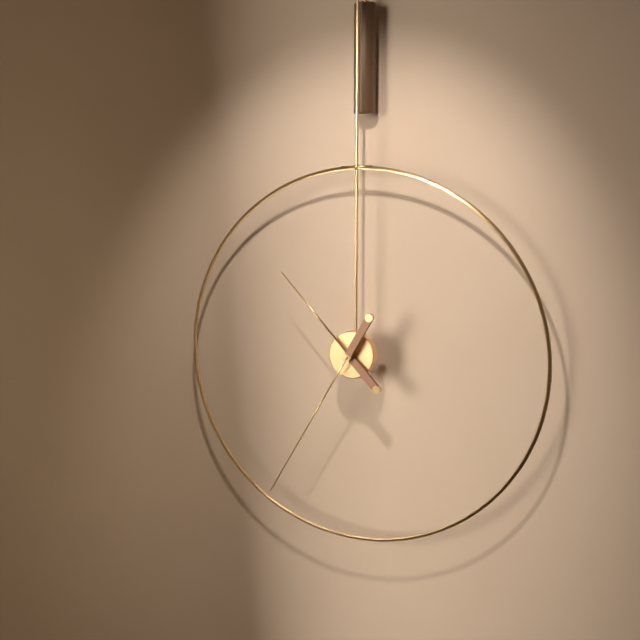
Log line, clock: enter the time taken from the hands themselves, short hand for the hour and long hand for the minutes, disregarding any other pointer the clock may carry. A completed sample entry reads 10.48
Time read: 10.35
